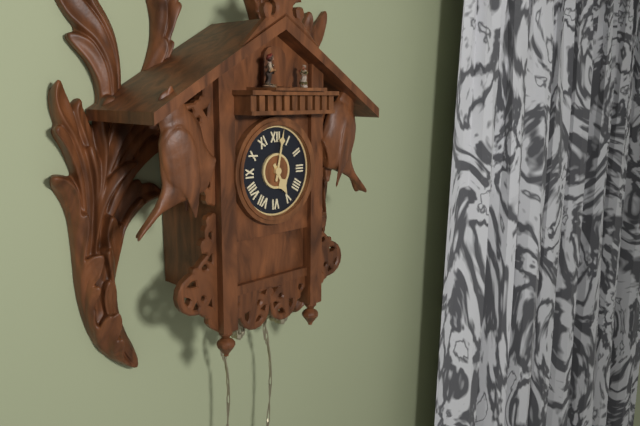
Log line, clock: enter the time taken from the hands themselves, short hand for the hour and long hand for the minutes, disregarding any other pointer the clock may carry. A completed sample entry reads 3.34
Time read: 5.02
